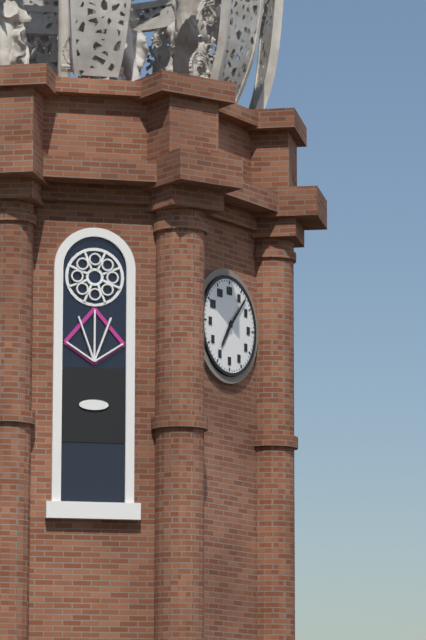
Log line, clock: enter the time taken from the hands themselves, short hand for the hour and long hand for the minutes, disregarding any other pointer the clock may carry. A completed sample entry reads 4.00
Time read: 7.07
